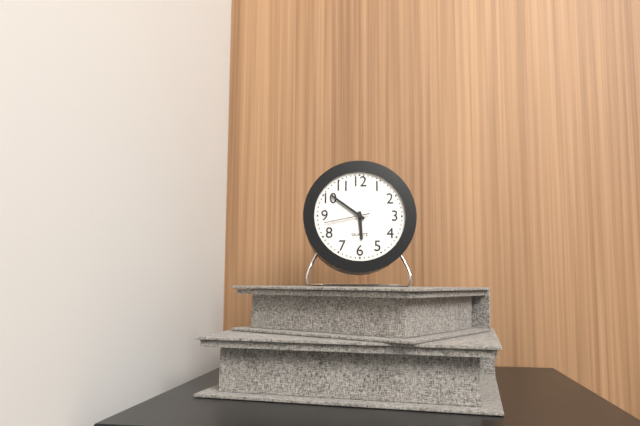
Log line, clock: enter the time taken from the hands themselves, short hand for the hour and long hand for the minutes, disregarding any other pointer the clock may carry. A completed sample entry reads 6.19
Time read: 5.51
